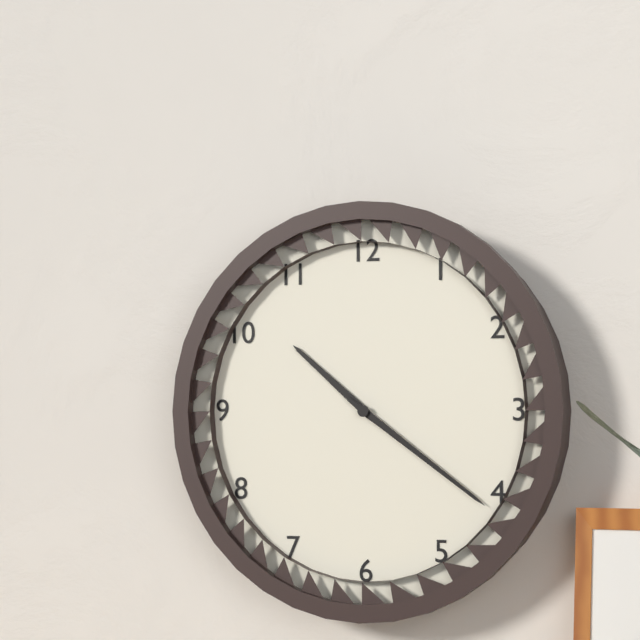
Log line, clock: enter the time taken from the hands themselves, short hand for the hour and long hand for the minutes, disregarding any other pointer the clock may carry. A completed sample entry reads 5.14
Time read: 10.21
